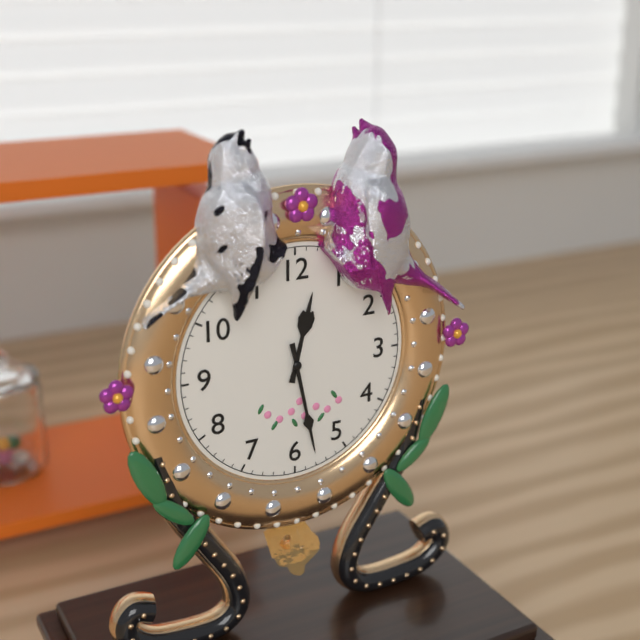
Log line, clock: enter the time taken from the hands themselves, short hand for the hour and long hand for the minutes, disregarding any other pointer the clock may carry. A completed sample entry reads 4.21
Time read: 12.28
